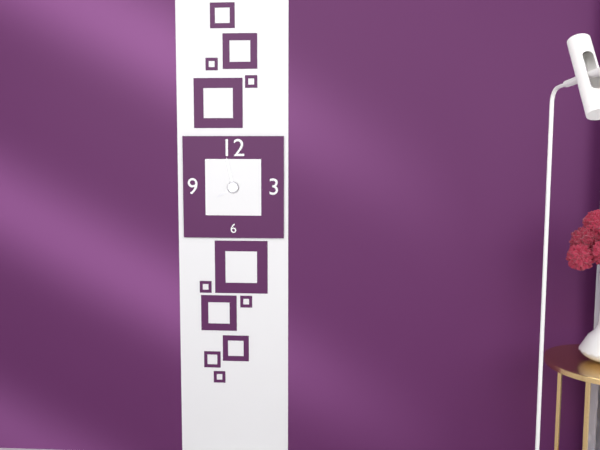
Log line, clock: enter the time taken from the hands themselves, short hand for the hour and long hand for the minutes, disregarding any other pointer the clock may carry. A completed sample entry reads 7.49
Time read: 7.58
